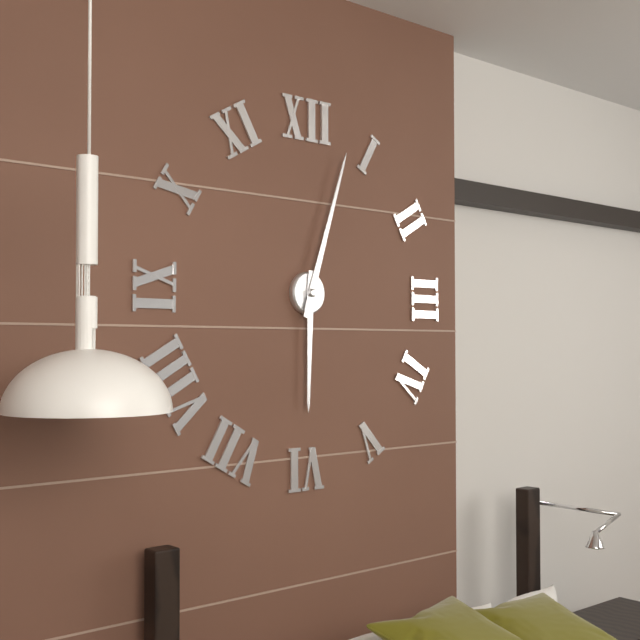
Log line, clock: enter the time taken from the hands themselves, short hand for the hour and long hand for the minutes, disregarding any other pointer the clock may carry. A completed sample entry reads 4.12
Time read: 6.03
